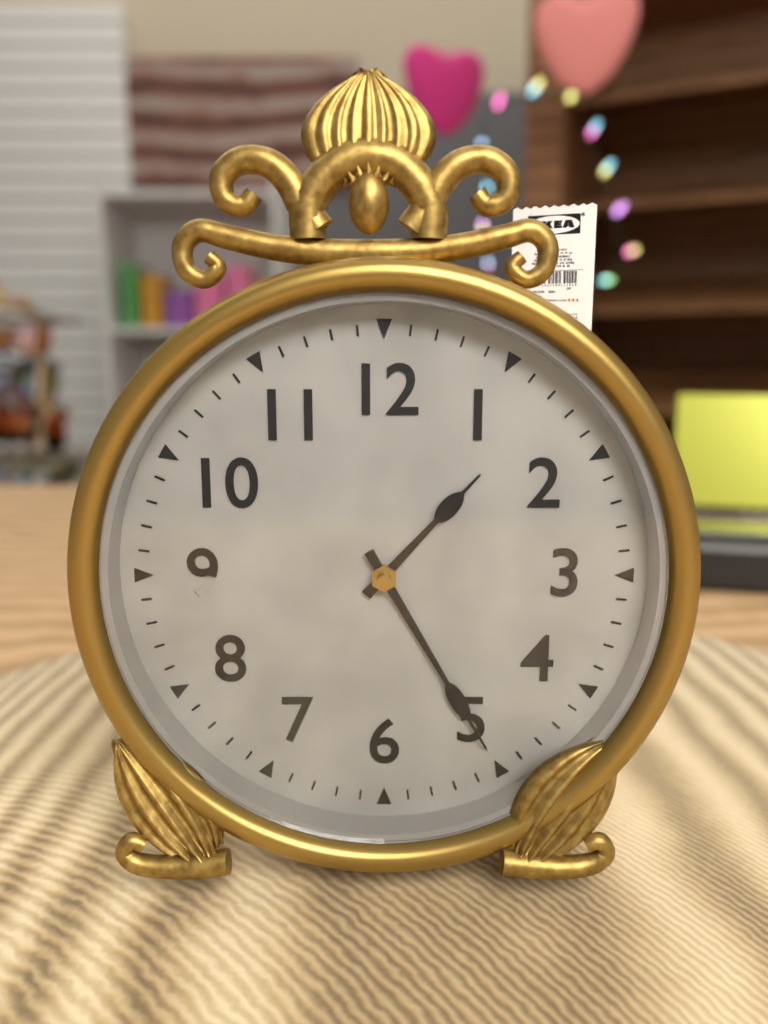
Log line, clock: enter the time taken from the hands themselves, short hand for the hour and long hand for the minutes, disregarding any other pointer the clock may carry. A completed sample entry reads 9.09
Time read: 1.25
